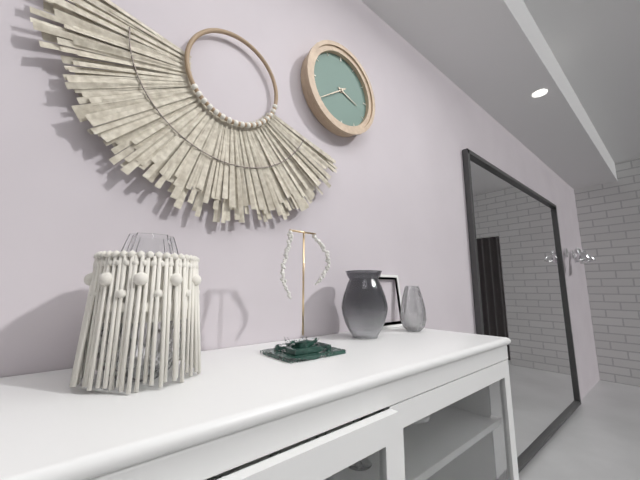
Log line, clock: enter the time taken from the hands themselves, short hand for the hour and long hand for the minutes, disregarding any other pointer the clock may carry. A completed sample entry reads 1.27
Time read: 3.39
